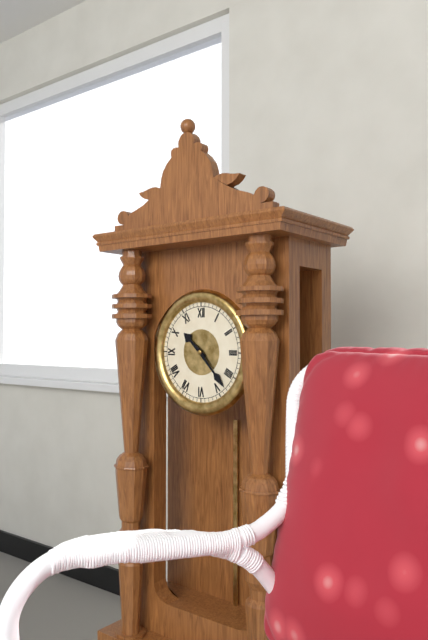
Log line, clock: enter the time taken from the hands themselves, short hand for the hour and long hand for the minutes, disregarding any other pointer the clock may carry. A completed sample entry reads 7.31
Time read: 10.23
